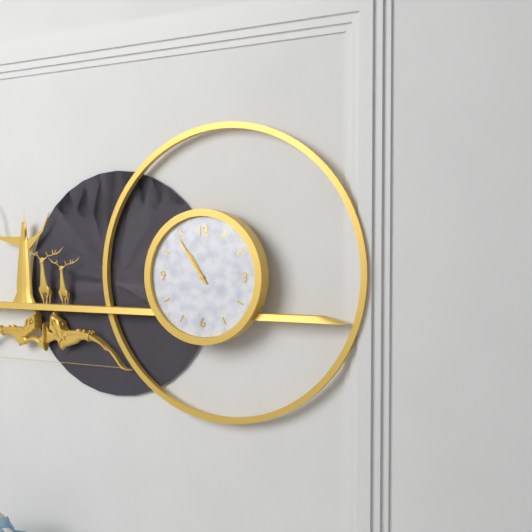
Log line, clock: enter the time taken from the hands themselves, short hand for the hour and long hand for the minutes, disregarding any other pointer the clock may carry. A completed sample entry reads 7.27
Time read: 10.54
